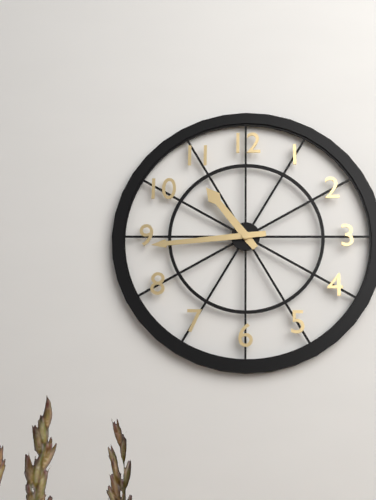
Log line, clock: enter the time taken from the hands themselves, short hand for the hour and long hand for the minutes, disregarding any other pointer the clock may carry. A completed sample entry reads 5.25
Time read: 10.44
